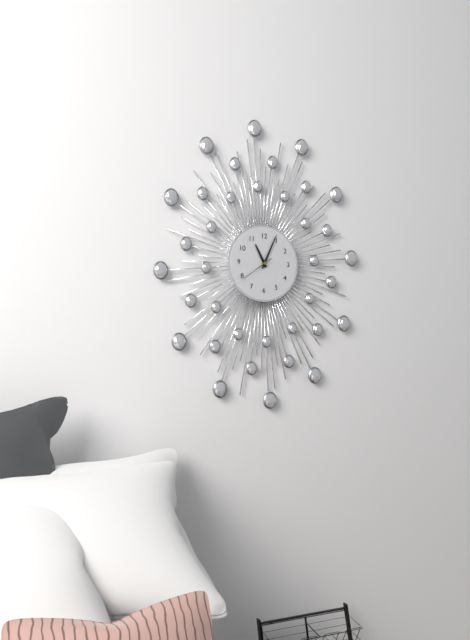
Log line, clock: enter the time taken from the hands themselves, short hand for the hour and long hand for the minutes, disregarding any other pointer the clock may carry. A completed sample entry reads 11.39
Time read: 11.04
